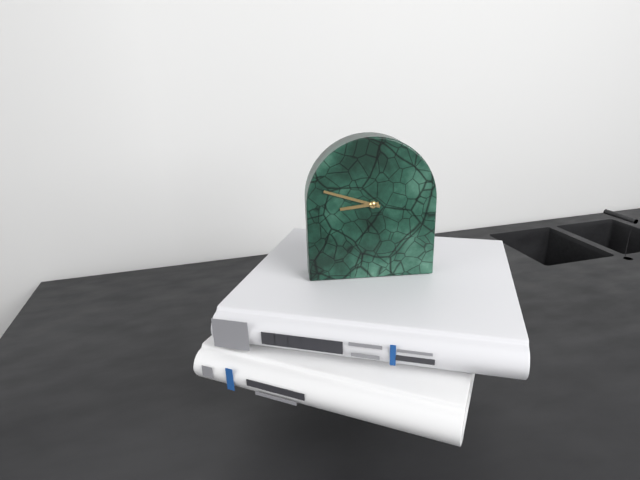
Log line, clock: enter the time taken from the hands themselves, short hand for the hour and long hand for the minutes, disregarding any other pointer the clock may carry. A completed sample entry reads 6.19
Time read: 8.48
